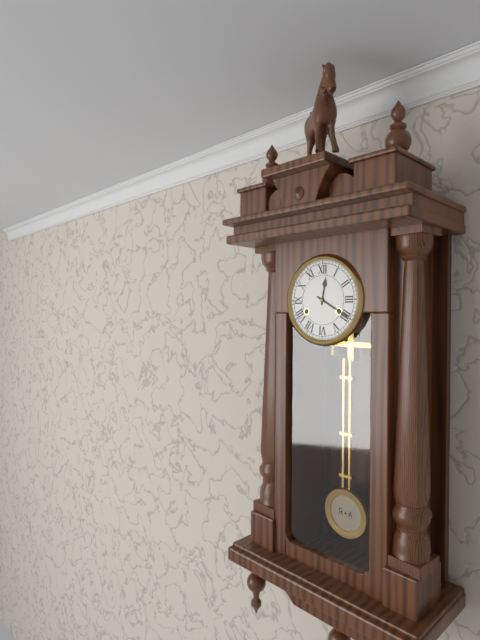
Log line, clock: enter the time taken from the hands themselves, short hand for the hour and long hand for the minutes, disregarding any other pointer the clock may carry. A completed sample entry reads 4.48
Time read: 12.20
